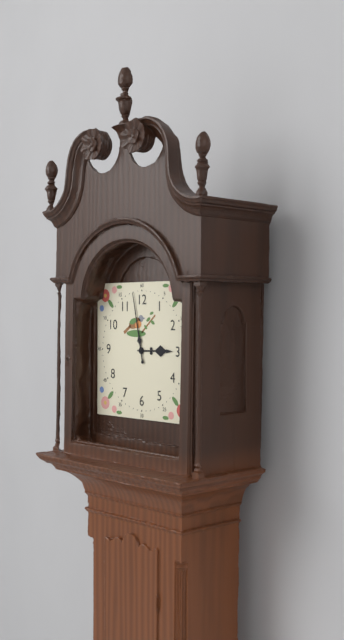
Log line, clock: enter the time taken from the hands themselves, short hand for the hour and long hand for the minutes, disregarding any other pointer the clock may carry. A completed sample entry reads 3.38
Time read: 2.58
